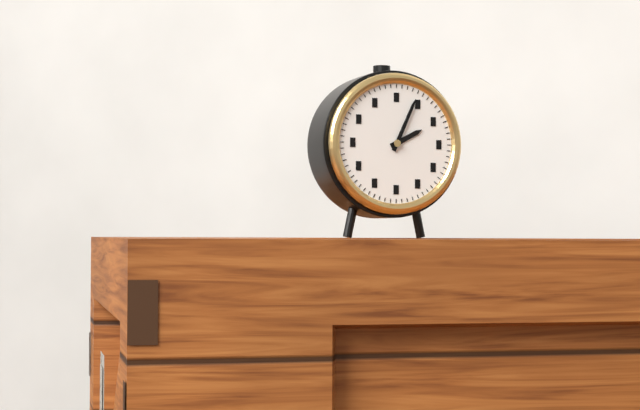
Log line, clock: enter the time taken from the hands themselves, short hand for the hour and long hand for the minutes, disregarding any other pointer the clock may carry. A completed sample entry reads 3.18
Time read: 2.04
